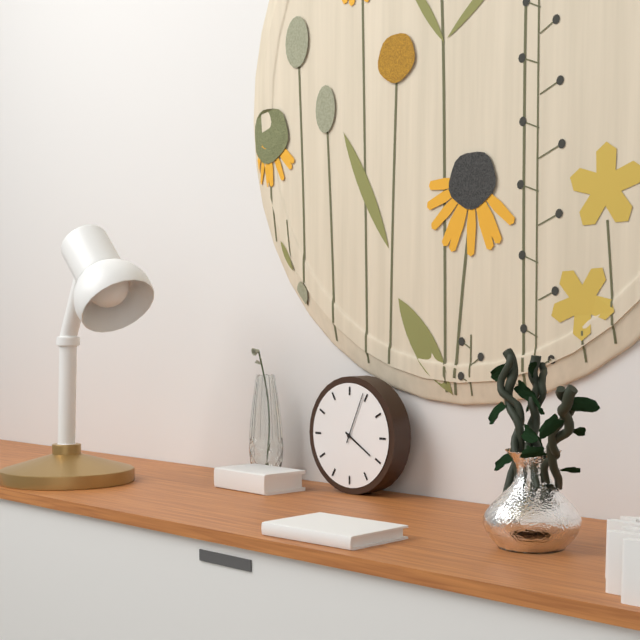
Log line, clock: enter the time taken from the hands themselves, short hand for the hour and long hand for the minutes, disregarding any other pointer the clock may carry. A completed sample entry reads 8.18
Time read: 4.04
